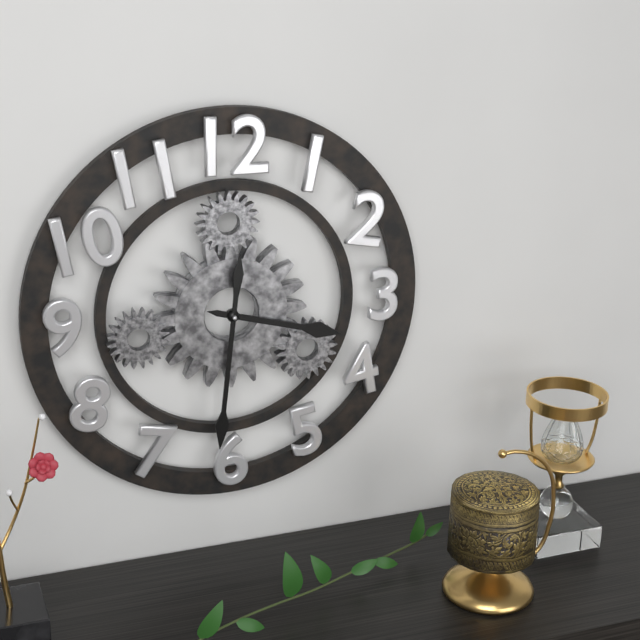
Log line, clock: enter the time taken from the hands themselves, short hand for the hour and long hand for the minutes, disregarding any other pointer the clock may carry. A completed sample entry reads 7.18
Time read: 3.31
